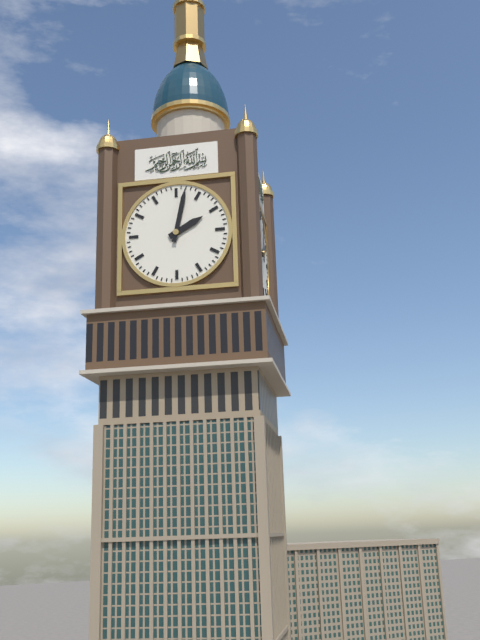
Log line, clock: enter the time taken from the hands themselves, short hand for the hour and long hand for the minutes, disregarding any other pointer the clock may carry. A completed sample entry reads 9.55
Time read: 2.02
